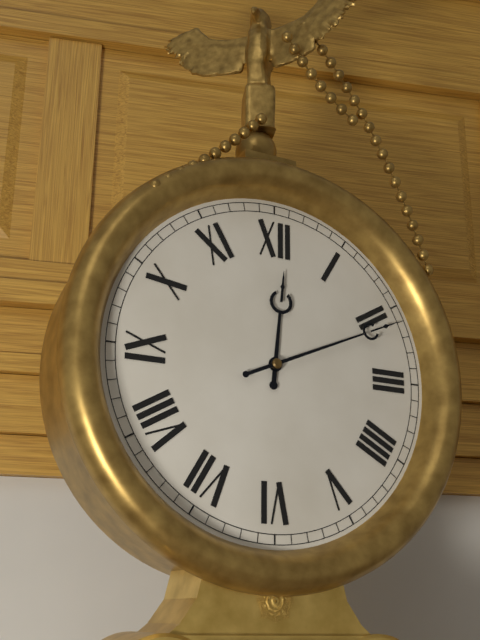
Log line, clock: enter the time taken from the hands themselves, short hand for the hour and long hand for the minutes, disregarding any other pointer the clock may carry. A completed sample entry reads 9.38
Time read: 12.11
